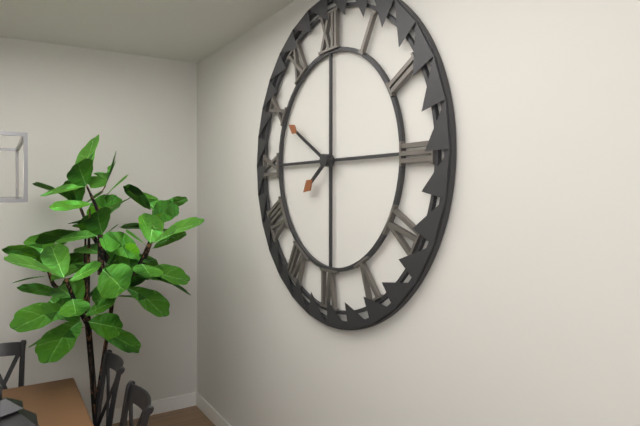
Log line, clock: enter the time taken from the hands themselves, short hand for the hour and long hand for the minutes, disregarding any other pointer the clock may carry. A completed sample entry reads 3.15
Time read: 7.50
